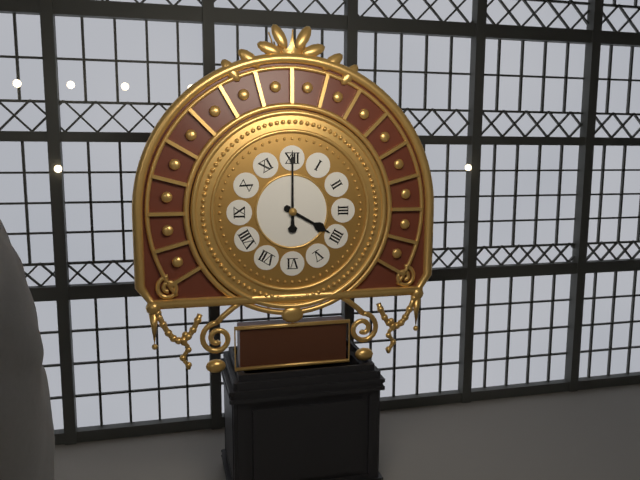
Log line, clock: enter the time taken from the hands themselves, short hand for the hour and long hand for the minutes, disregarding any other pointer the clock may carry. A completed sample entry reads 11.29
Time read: 4.00
